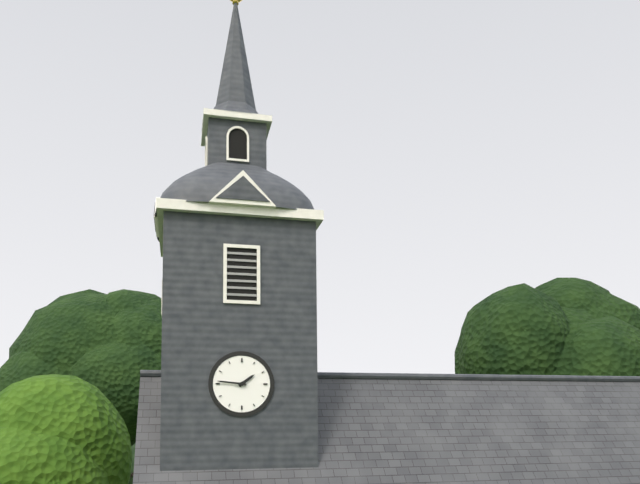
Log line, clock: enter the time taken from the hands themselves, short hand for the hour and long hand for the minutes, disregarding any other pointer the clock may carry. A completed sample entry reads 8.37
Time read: 1.46
